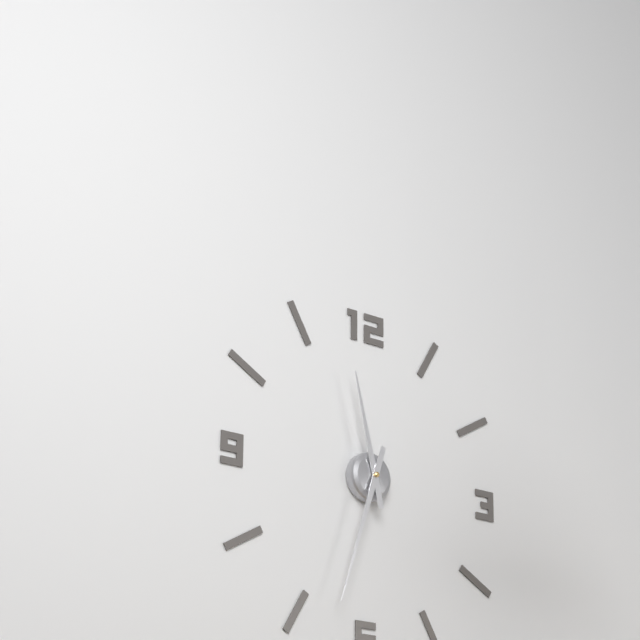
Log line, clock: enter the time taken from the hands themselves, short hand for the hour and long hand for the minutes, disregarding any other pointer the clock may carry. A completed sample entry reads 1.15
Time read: 11.33
